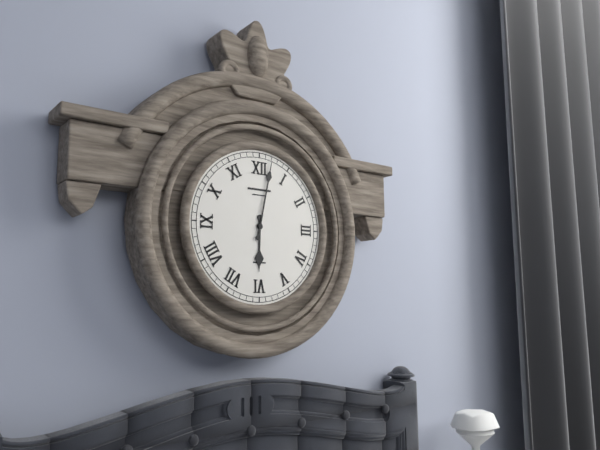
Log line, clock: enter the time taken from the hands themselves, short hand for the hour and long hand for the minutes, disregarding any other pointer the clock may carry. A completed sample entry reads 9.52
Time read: 6.02
